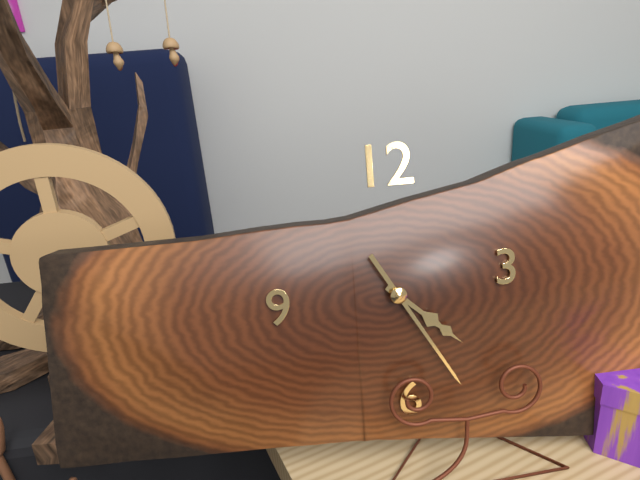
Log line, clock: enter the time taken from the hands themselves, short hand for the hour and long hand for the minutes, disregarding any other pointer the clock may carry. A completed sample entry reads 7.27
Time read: 4.25
